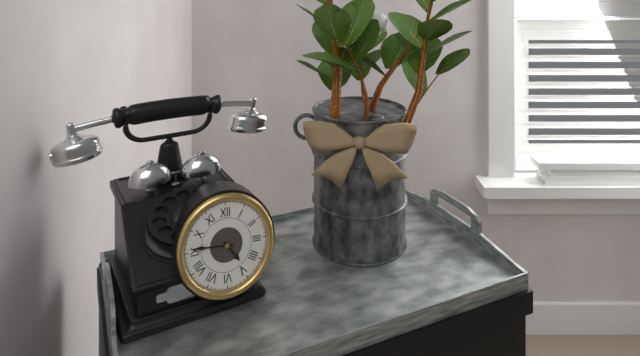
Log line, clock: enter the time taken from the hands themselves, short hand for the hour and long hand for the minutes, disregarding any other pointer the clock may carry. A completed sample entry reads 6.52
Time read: 4.46
